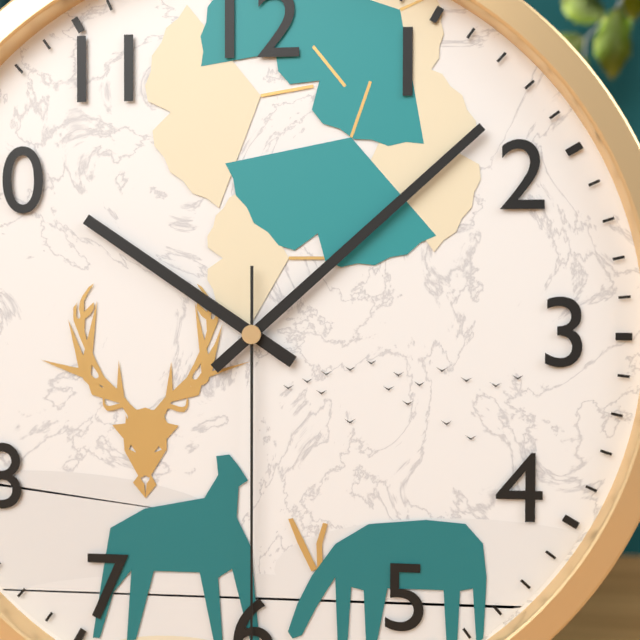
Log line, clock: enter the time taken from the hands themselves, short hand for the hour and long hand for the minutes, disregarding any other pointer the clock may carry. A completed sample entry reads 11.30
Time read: 10.08
